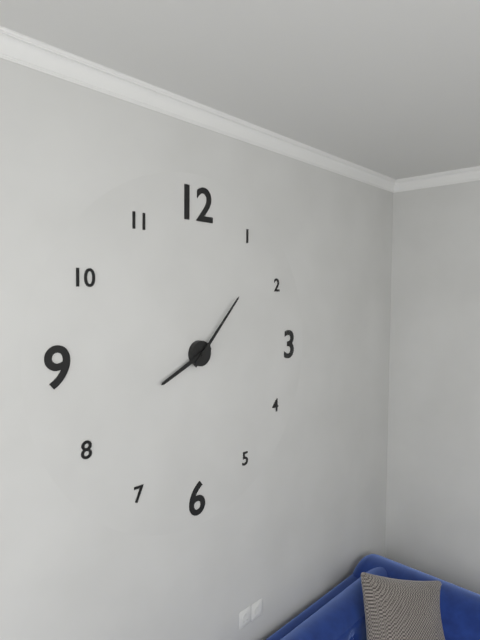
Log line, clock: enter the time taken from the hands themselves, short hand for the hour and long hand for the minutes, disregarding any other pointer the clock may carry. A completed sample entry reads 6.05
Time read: 8.07
